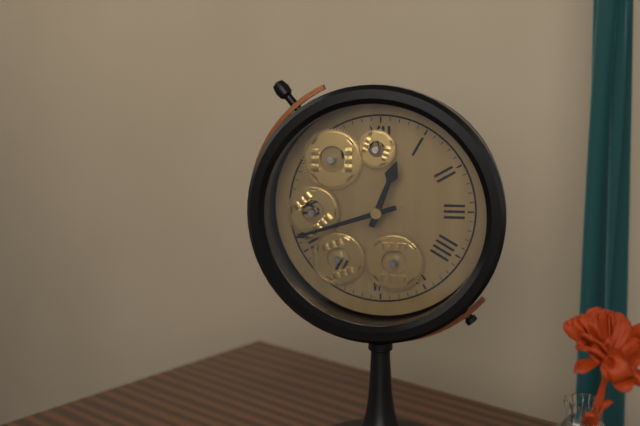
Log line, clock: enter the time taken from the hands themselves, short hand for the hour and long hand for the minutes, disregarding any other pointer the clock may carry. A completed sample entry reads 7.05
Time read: 12.42
